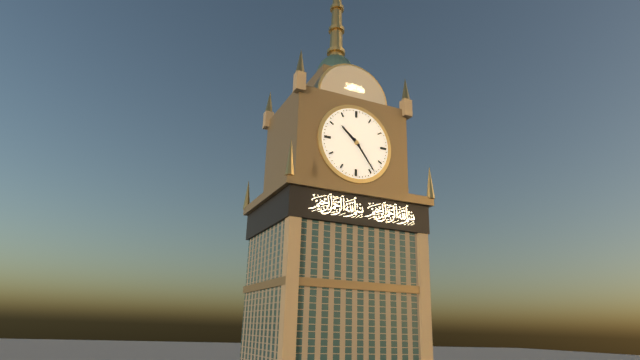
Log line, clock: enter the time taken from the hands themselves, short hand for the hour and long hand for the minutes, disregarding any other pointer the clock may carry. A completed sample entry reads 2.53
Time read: 10.24
